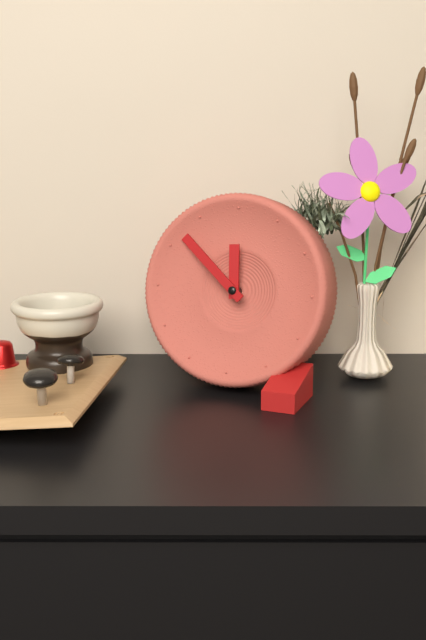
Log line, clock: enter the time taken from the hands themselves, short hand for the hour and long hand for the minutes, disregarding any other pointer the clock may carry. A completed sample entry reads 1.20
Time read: 11.52
